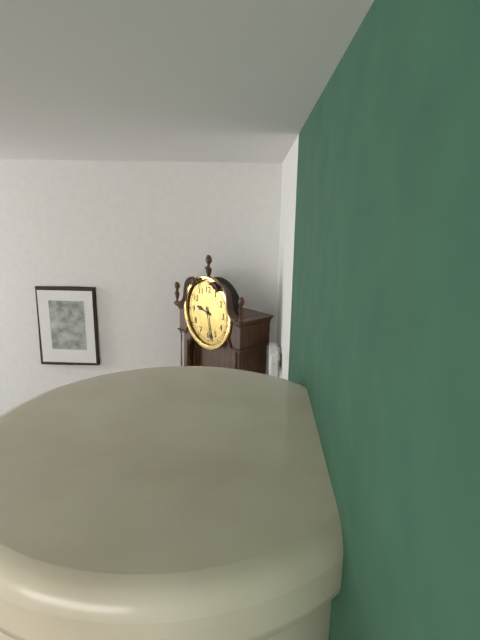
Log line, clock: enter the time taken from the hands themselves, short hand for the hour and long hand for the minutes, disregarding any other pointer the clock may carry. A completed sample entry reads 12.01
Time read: 9.28
